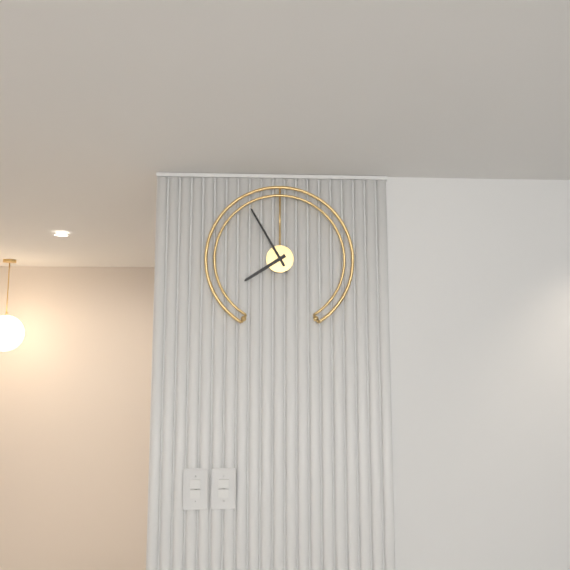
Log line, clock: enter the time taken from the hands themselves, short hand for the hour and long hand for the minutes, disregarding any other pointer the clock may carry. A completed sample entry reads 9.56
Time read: 7.55
